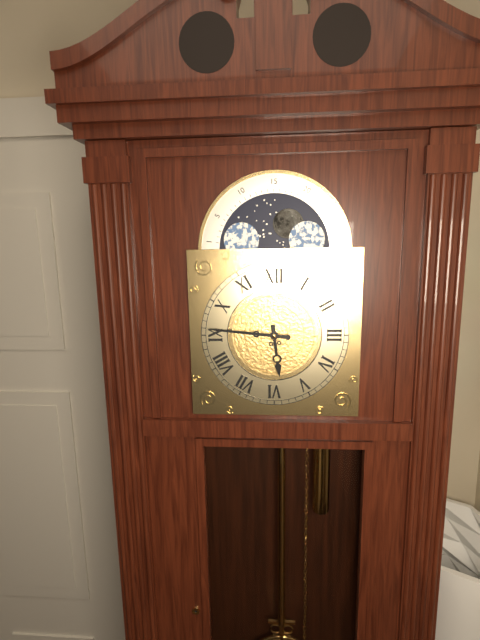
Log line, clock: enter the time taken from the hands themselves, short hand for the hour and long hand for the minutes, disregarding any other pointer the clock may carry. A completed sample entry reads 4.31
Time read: 5.46
